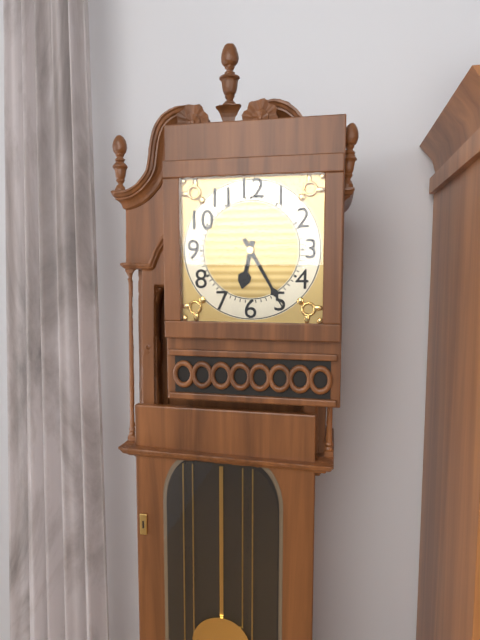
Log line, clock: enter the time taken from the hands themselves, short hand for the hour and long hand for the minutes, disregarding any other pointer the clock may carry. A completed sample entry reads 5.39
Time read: 6.25
